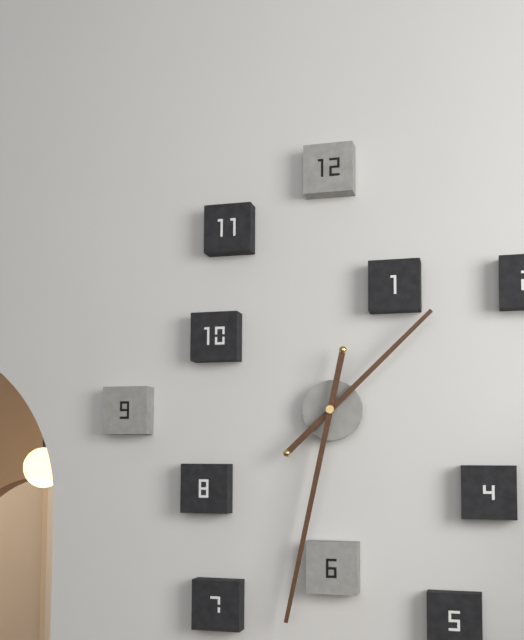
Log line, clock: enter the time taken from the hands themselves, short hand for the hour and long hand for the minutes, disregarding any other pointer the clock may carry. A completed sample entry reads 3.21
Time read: 1.32
